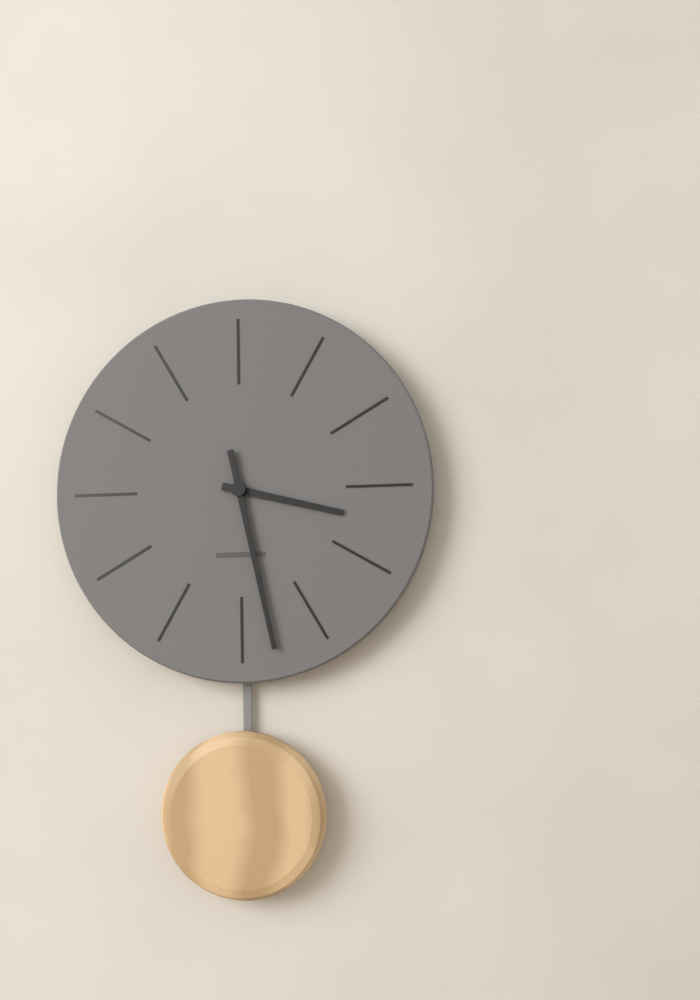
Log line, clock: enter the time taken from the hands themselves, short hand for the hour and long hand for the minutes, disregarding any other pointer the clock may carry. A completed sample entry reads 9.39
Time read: 3.28
